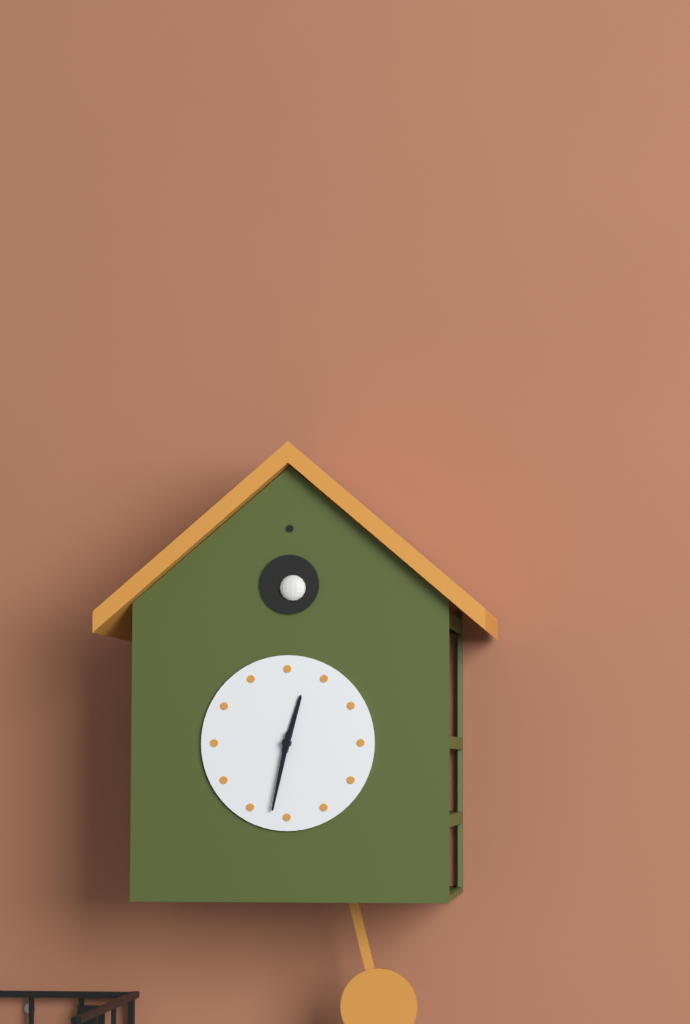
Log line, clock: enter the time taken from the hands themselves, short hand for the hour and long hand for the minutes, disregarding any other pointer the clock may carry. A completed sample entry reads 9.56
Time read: 12.32
